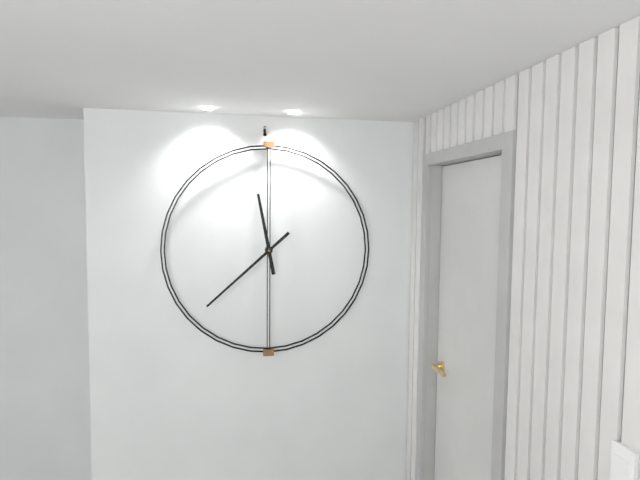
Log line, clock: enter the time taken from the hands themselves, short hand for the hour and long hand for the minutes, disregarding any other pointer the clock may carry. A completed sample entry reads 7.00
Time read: 11.38
